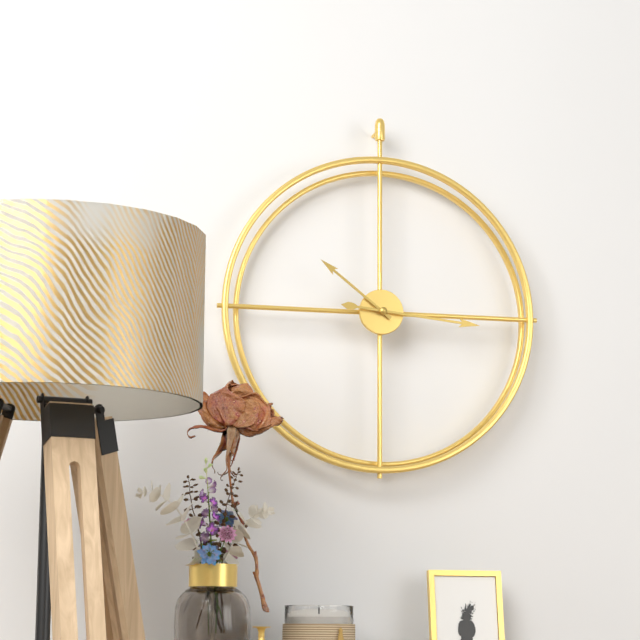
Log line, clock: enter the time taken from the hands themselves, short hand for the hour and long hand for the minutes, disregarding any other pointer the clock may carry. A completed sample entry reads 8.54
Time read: 10.16
